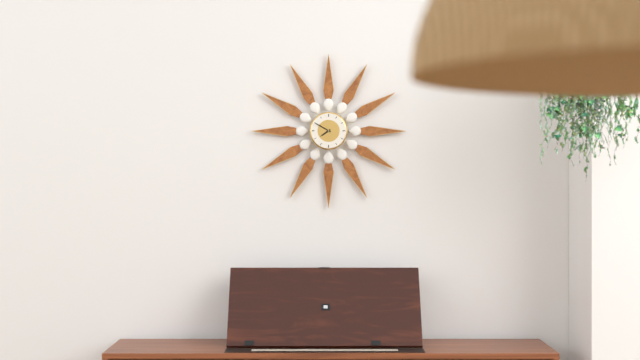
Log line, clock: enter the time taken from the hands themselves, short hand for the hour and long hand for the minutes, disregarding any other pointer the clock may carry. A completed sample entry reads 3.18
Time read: 7.50
